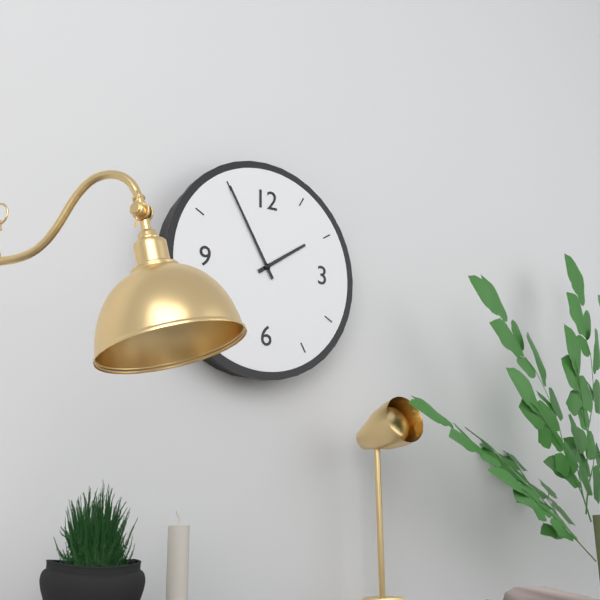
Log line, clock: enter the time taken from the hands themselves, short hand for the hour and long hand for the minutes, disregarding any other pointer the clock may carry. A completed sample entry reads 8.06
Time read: 1.55
